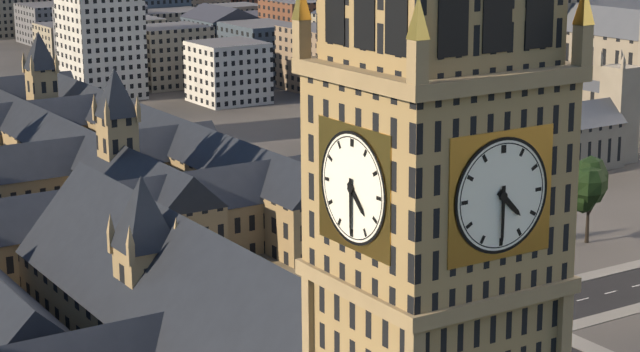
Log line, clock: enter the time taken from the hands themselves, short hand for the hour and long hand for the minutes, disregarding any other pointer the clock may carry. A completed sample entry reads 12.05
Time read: 4.30
